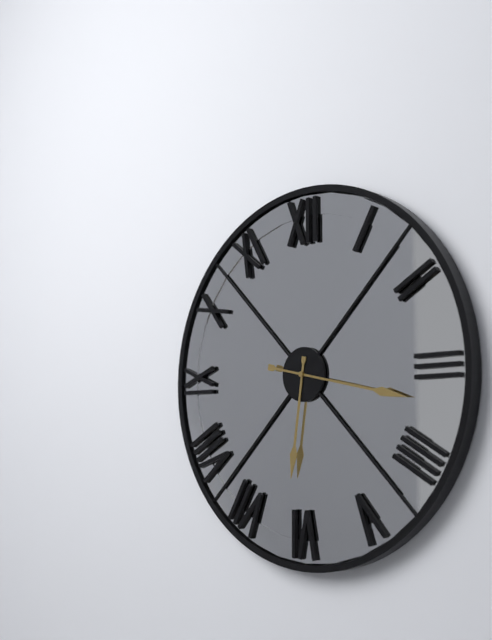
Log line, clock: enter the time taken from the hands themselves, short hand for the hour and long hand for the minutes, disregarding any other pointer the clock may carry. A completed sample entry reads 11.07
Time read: 6.17
